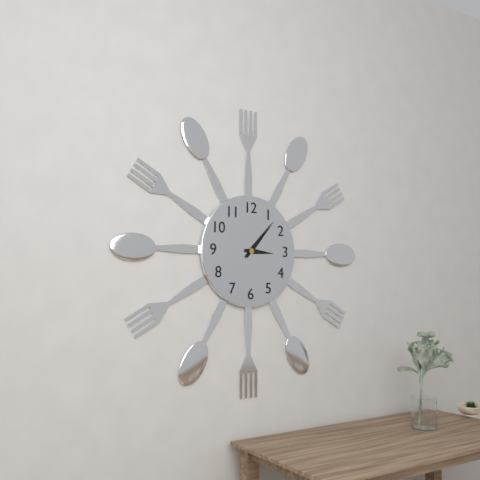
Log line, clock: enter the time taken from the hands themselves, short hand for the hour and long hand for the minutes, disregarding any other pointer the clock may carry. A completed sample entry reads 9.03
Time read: 3.07
